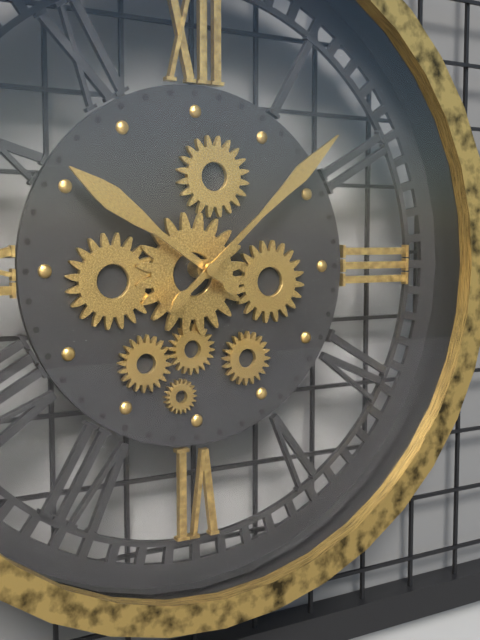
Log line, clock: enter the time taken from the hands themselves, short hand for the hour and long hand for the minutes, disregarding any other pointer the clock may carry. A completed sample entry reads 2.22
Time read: 10.08
